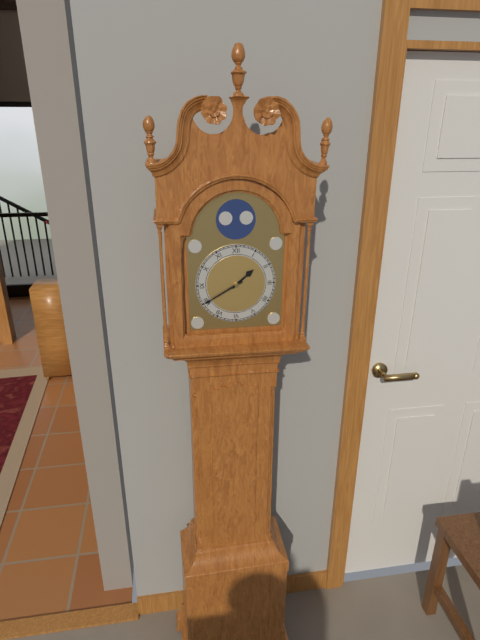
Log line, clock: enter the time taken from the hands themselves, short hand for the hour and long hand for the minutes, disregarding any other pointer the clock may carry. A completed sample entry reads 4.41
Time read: 1.40
